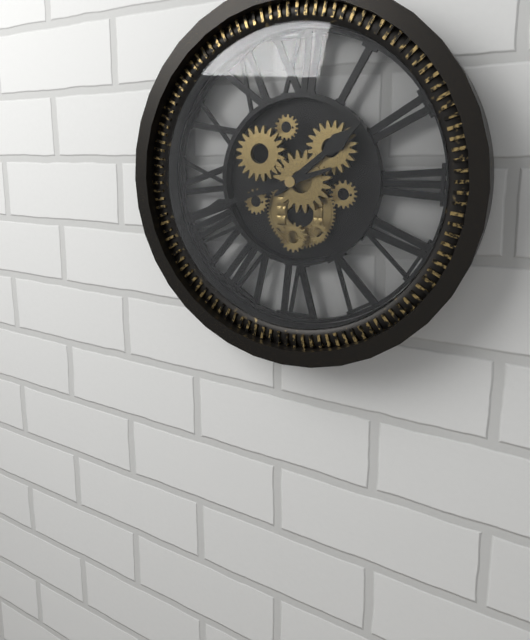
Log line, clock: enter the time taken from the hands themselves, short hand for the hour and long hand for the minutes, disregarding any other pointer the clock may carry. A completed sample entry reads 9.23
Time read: 1.42
